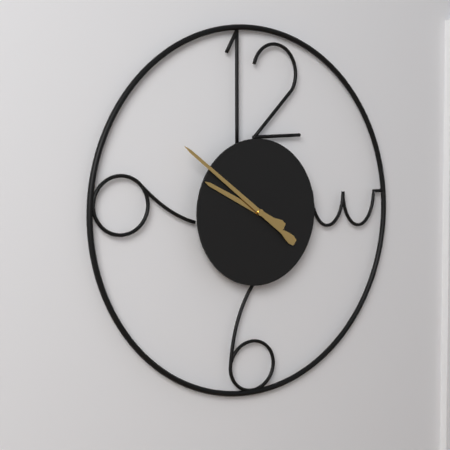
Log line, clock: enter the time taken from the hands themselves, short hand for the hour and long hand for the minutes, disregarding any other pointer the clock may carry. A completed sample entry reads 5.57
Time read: 9.51
